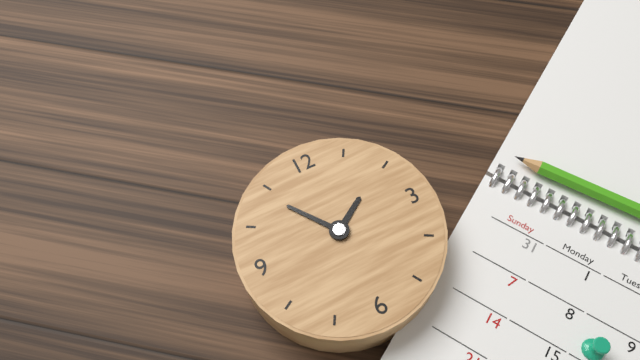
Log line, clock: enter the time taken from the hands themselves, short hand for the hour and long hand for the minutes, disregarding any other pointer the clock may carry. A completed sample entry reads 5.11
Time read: 1.54
